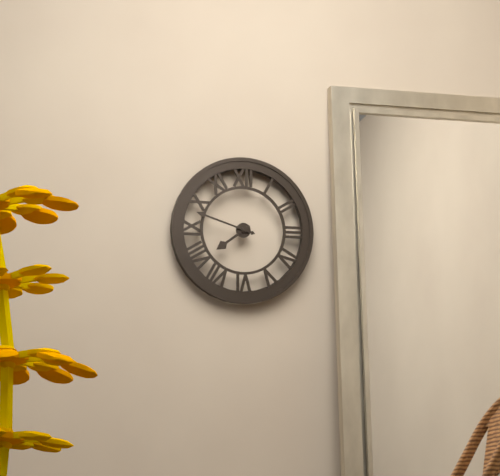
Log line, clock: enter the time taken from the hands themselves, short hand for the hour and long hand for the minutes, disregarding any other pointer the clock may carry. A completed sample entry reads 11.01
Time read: 7.48
